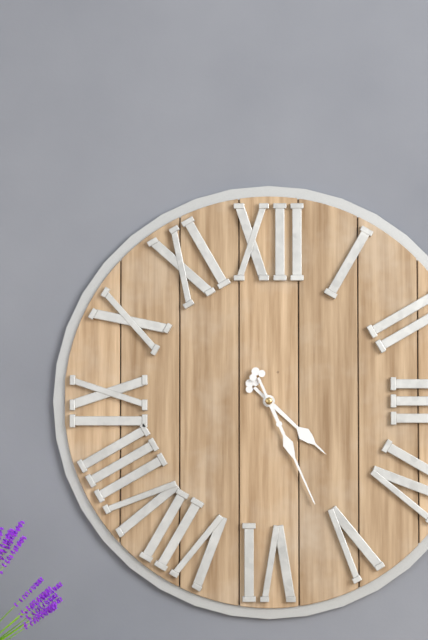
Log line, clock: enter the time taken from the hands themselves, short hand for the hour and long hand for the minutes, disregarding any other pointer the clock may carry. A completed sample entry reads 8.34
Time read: 4.26
